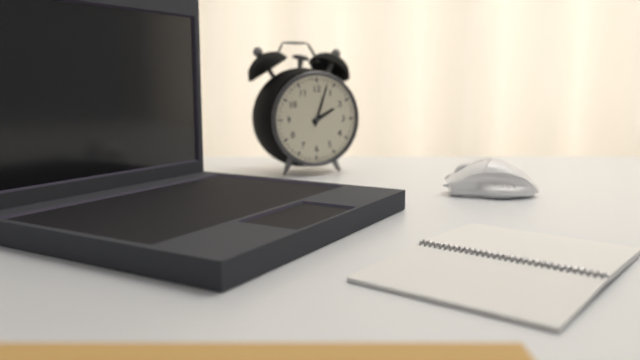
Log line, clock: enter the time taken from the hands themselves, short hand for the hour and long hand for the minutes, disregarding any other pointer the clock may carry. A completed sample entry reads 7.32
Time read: 2.03
